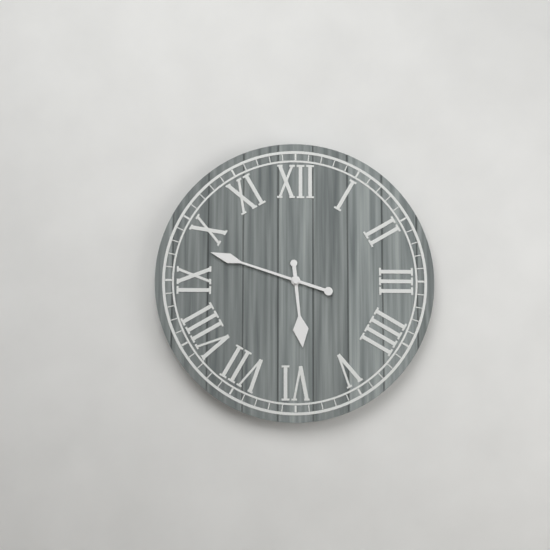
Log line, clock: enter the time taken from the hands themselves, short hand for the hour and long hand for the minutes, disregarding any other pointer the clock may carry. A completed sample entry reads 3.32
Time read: 5.48
